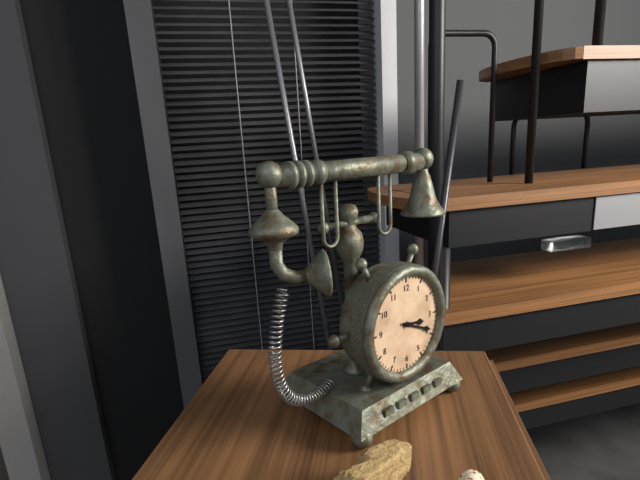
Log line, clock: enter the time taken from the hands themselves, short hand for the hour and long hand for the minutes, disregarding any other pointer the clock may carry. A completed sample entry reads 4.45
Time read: 3.19
